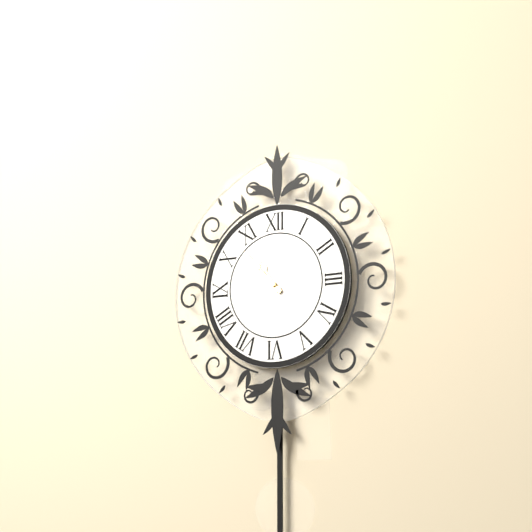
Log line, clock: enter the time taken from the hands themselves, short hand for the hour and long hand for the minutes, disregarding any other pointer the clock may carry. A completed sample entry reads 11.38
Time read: 10.53
